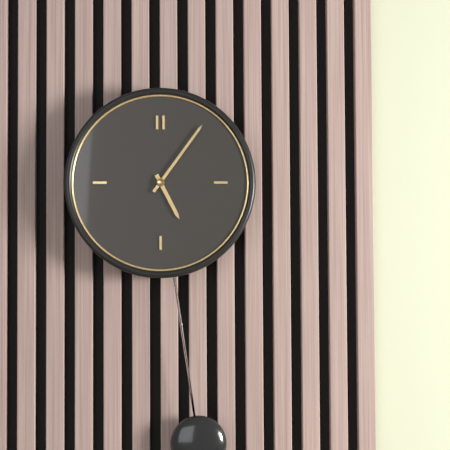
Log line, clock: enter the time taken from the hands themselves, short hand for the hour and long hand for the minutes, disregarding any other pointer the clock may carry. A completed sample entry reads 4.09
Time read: 5.06
